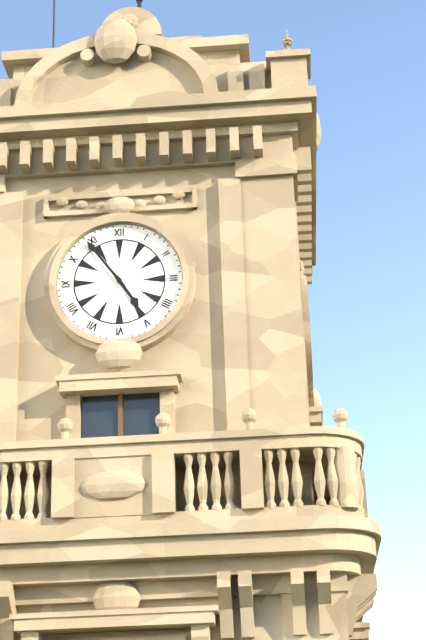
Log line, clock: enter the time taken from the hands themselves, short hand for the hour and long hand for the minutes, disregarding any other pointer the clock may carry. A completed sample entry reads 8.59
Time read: 4.54
